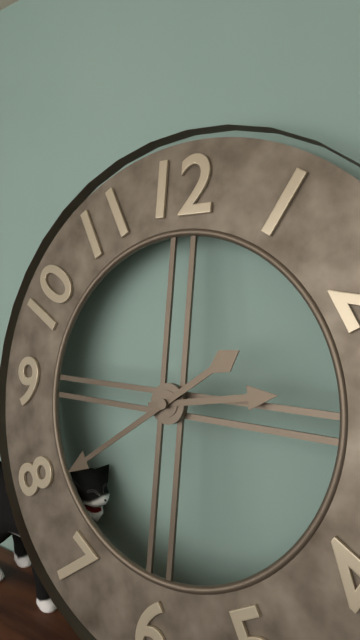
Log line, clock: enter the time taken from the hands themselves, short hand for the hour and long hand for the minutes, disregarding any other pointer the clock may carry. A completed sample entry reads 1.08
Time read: 2.39
